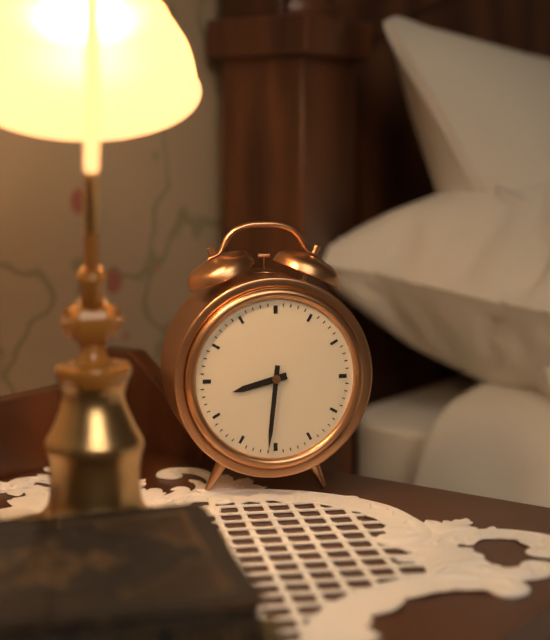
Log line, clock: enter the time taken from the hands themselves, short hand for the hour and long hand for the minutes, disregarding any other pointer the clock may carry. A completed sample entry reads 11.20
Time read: 8.31
